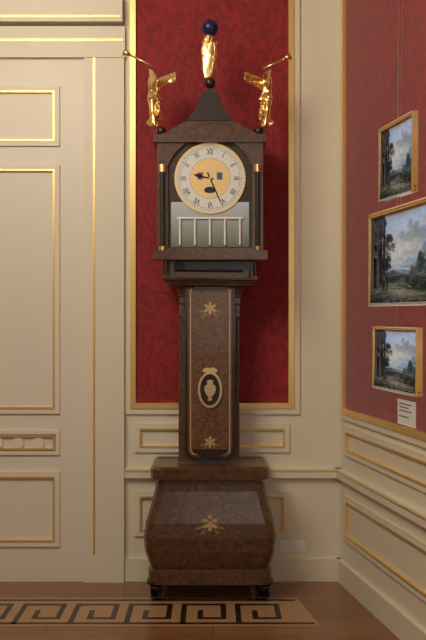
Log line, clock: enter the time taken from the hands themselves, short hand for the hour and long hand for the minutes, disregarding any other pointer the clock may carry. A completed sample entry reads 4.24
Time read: 9.26
